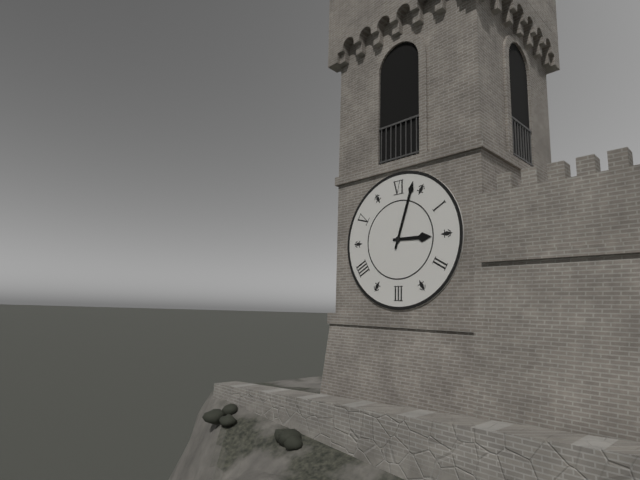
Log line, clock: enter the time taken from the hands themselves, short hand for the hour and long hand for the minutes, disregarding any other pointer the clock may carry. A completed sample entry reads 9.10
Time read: 3.03
